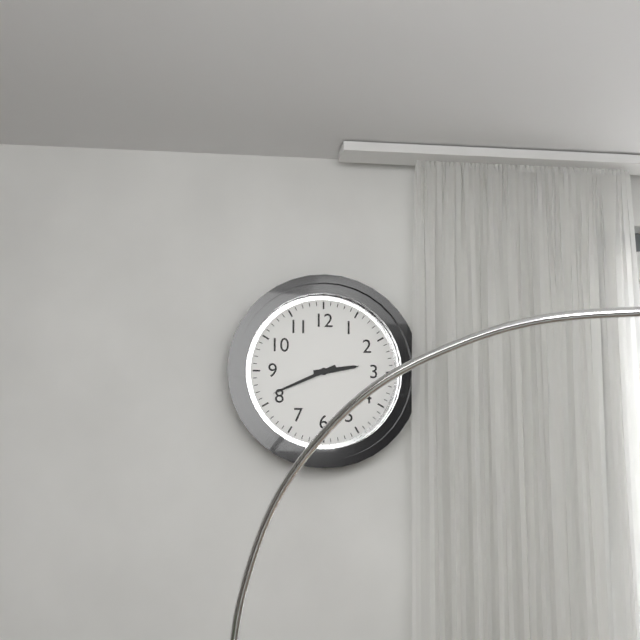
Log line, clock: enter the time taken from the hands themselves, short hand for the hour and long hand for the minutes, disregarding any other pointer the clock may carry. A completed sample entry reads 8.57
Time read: 2.41
